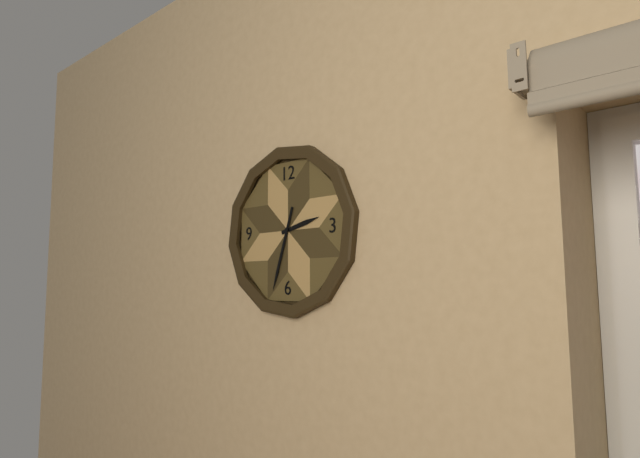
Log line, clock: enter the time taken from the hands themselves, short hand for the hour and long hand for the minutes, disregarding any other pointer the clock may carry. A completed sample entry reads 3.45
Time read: 2.33
